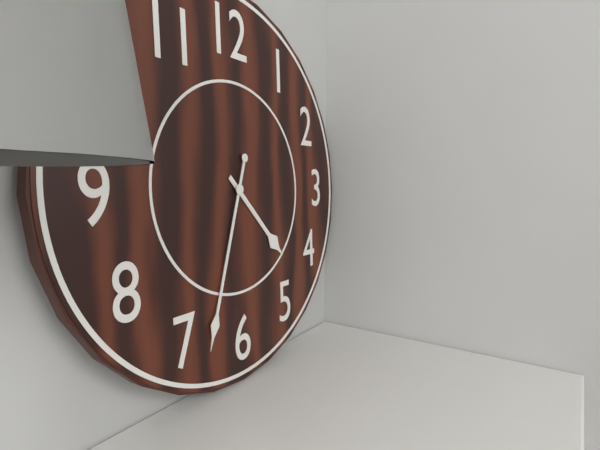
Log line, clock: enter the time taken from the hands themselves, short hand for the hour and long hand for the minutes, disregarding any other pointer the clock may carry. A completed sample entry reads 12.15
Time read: 4.33
